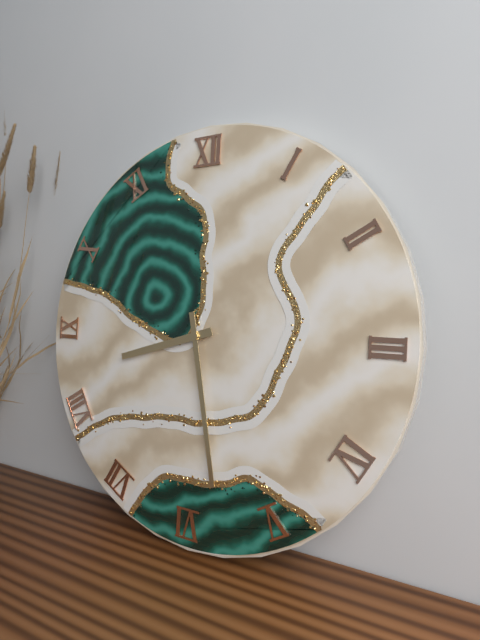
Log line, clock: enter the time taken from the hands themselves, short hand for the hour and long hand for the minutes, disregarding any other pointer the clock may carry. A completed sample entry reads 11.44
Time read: 8.28
